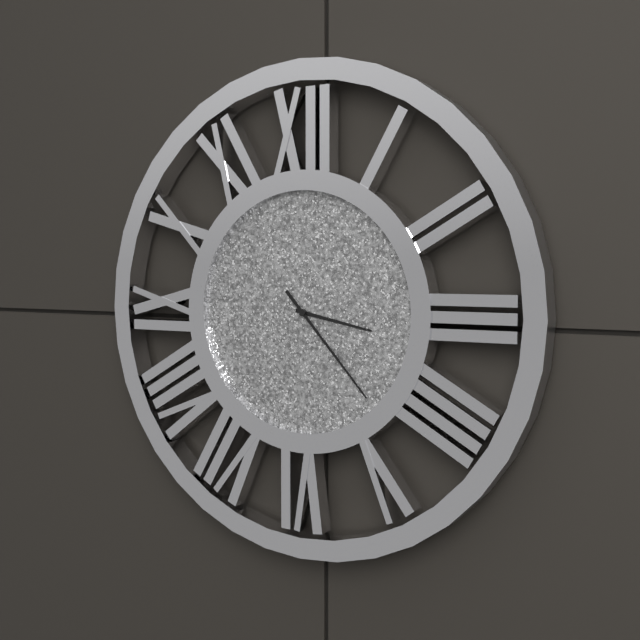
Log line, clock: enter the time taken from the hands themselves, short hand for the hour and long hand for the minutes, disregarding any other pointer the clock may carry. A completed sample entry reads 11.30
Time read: 3.23
